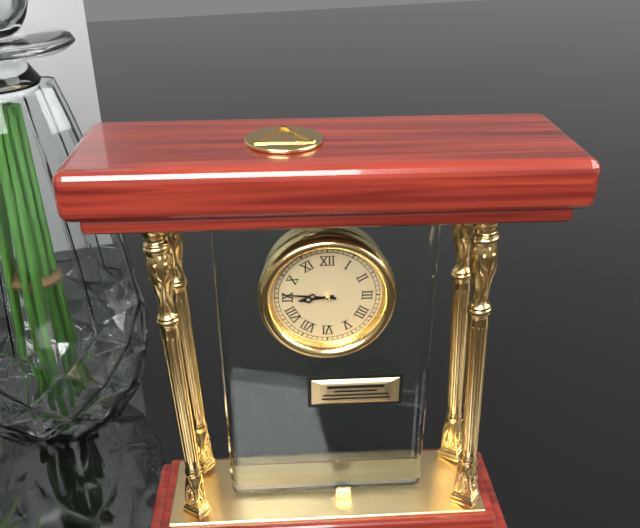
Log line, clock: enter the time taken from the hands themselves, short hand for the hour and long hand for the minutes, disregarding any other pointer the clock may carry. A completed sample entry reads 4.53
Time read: 8.46
